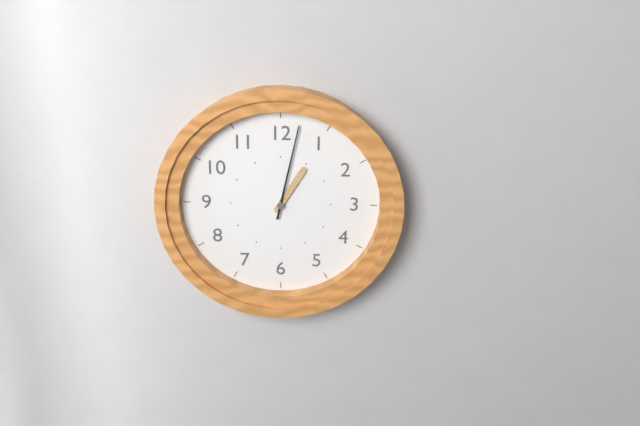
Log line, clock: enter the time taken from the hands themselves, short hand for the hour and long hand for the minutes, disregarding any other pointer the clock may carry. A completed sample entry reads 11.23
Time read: 1.02
